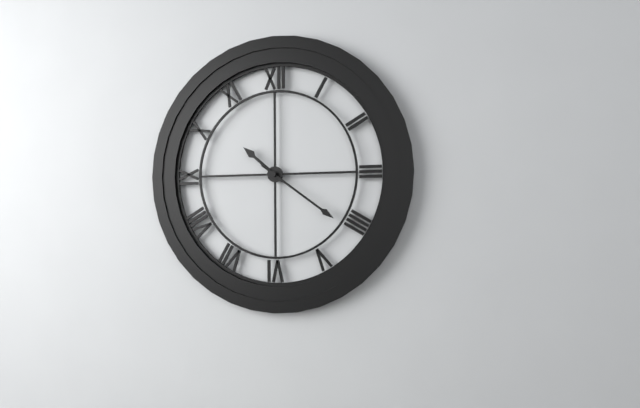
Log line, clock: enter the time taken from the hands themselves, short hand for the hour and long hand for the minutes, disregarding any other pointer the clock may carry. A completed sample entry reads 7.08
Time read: 10.21
